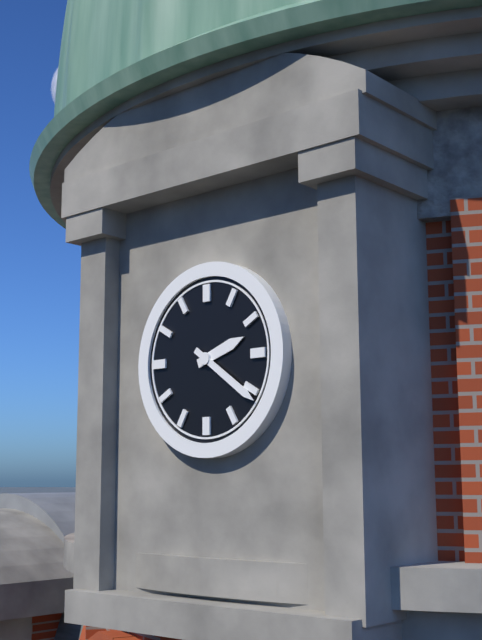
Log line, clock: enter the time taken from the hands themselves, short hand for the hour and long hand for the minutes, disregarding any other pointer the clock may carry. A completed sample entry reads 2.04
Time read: 2.21
